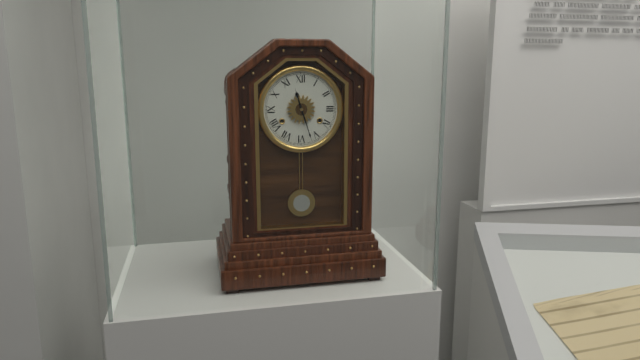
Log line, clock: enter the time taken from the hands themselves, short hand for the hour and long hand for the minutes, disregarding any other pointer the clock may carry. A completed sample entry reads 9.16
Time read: 11.27
